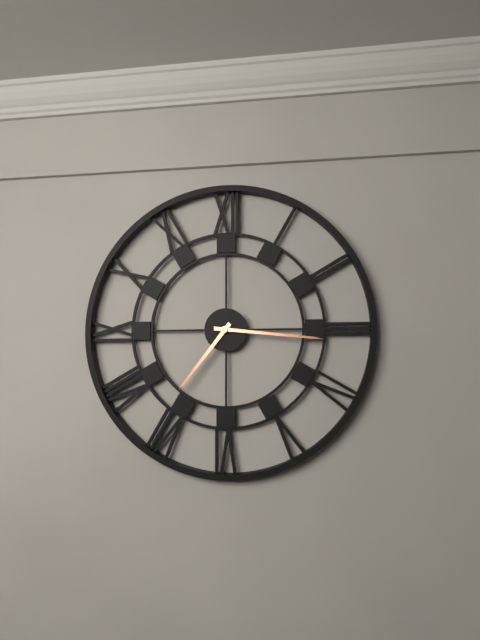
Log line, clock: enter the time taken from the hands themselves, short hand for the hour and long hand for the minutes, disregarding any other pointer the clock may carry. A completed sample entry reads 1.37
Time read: 7.16
